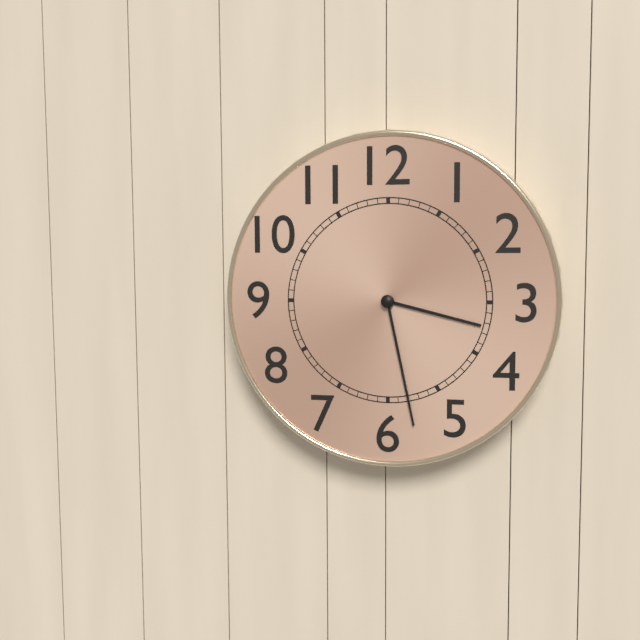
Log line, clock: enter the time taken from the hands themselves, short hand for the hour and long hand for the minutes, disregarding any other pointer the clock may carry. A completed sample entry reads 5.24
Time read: 3.28
